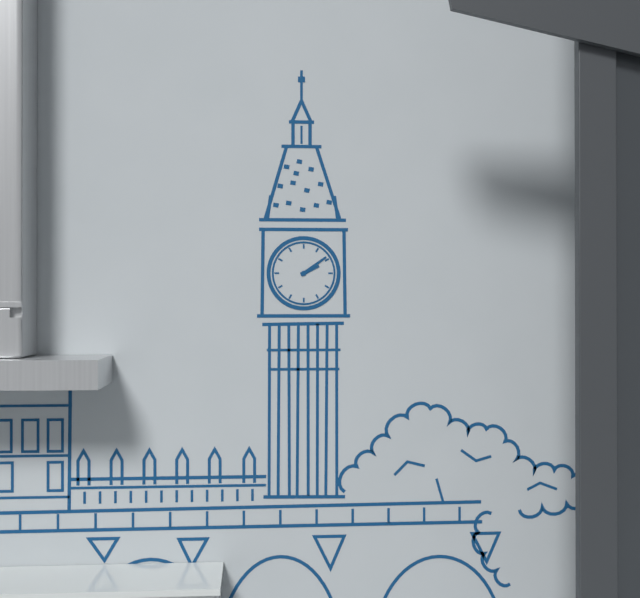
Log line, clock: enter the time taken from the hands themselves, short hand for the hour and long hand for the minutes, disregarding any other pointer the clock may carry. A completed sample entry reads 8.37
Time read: 2.09
